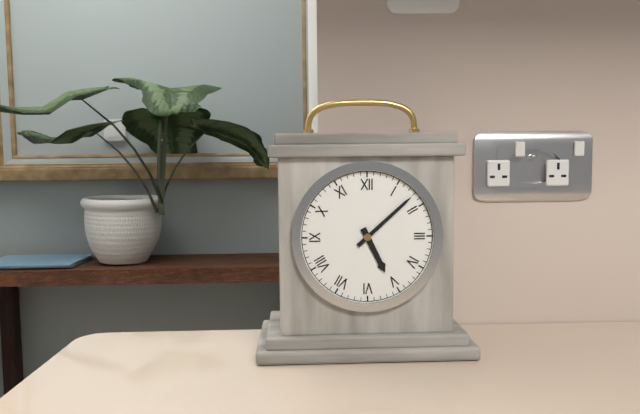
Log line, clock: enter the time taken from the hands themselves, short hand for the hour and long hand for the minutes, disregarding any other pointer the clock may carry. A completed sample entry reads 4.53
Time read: 5.08
